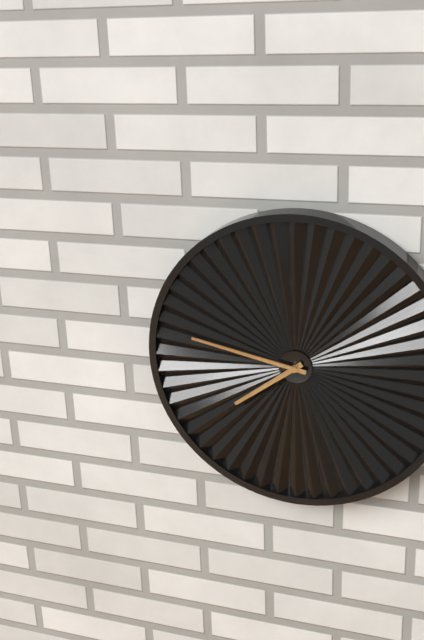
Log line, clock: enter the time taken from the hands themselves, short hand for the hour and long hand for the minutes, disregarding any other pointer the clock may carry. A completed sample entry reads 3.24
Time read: 7.47
